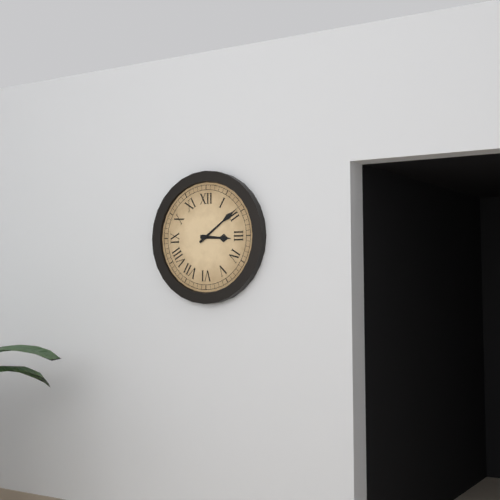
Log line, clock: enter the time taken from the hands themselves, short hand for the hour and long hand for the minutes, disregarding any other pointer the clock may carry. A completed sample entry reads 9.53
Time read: 3.09
